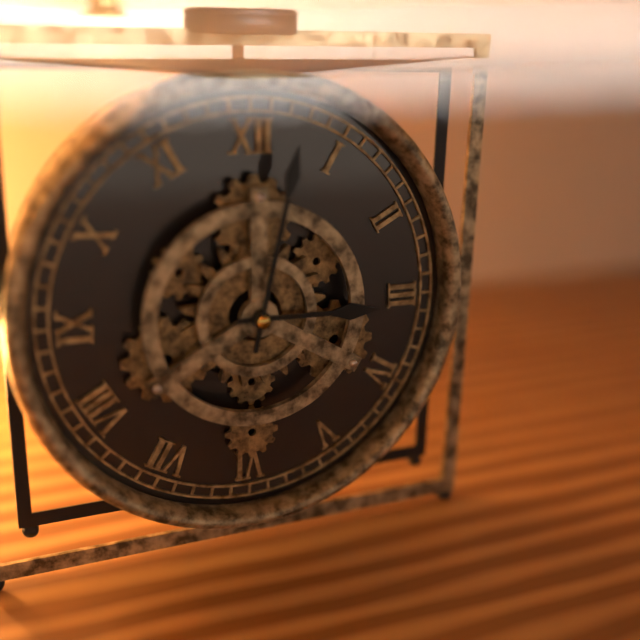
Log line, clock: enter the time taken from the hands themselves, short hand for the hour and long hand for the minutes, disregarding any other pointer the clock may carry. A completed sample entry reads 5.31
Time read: 3.02
